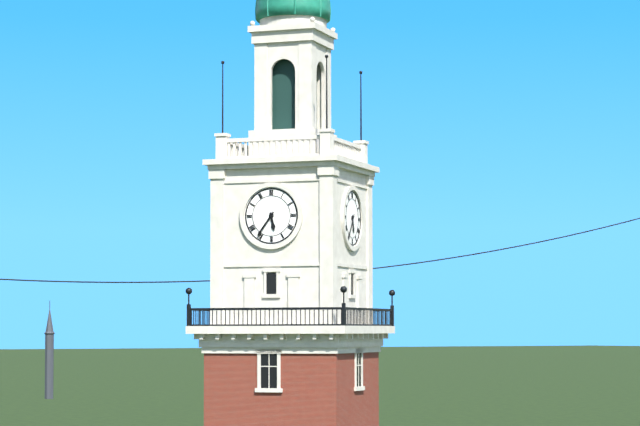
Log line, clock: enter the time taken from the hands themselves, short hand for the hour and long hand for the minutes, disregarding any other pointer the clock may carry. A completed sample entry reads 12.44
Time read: 5.36
